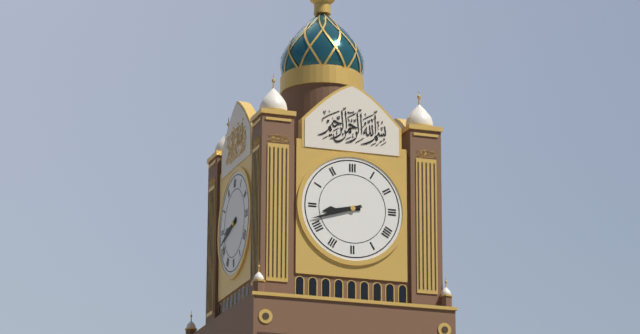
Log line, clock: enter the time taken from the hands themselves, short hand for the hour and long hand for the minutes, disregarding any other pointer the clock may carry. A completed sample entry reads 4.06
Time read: 8.42
